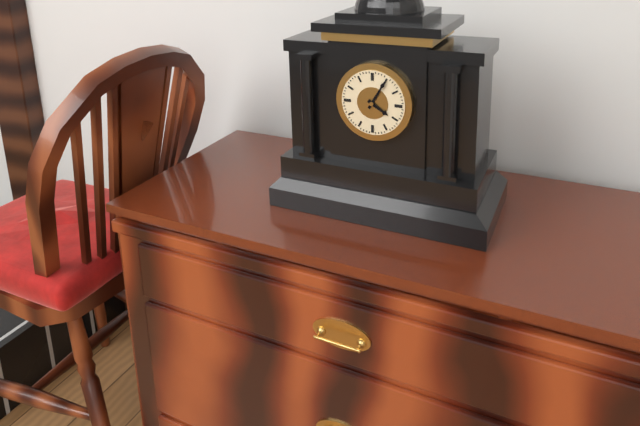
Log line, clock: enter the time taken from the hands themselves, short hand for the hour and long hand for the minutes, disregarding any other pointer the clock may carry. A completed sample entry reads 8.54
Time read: 4.05
